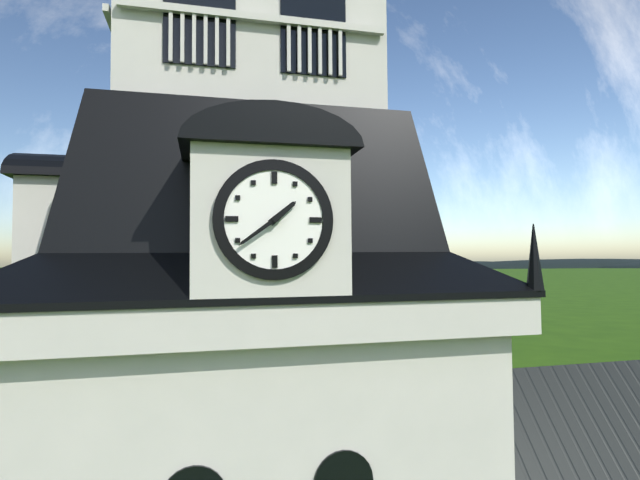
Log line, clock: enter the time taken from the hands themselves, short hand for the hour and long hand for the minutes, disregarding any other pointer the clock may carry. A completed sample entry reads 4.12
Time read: 1.39
